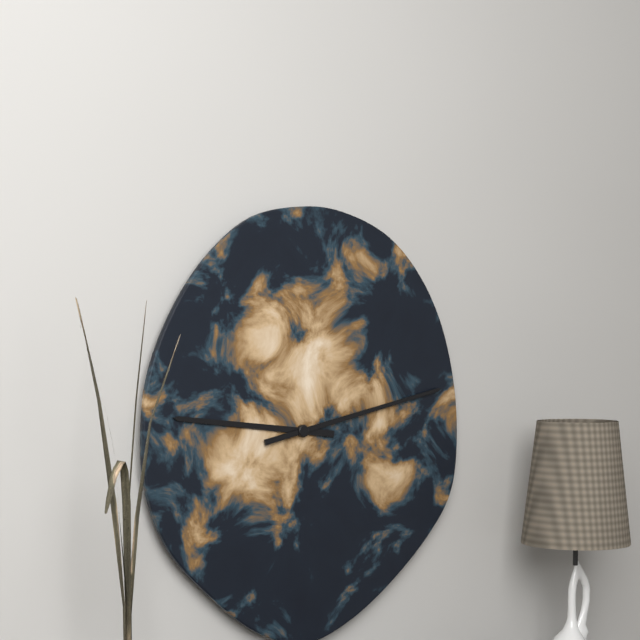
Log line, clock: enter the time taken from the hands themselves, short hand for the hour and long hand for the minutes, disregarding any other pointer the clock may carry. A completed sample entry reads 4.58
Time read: 9.13
